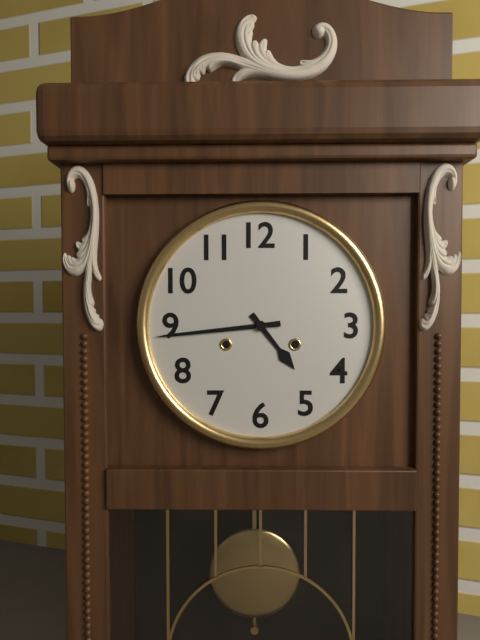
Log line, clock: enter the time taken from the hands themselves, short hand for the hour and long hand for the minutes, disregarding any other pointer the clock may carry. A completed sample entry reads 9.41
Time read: 4.44
